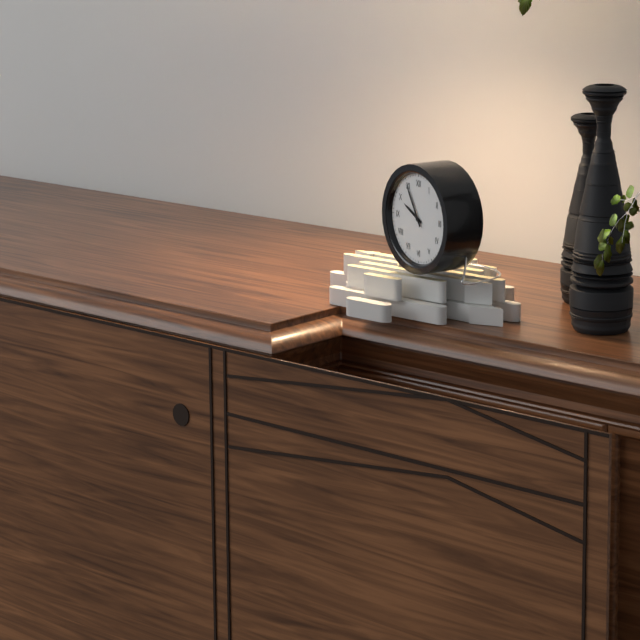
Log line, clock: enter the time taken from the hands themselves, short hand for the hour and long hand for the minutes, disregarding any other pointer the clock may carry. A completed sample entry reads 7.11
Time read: 9.55
